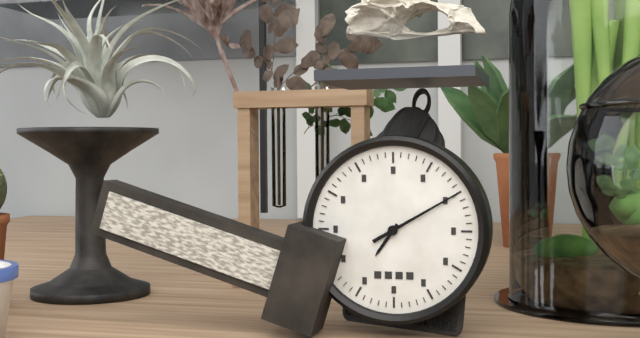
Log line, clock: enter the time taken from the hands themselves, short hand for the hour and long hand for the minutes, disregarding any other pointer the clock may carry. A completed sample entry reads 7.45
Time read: 7.10
